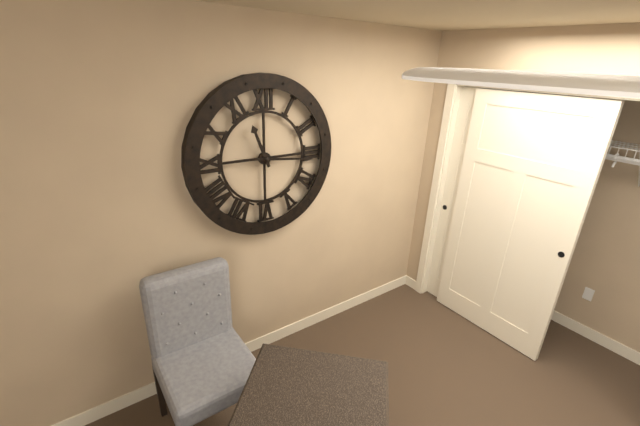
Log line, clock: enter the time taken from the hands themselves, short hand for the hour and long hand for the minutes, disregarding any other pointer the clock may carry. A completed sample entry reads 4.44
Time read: 11.16
